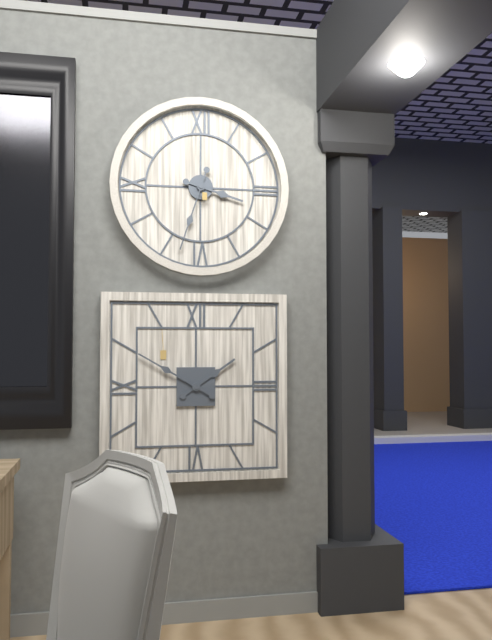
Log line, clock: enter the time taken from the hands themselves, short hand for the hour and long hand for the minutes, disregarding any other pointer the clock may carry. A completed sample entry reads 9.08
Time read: 3.33
